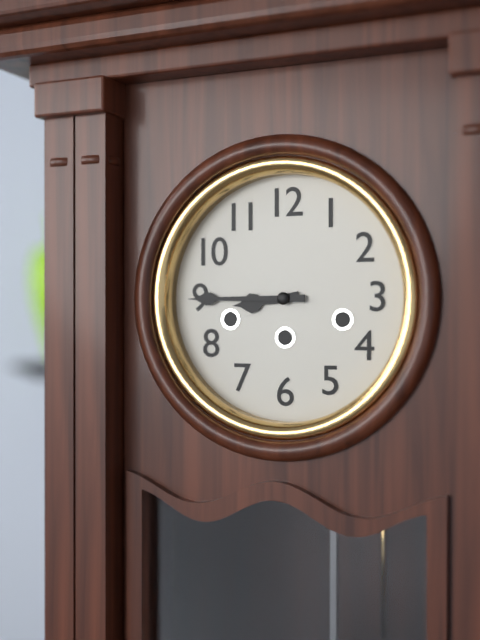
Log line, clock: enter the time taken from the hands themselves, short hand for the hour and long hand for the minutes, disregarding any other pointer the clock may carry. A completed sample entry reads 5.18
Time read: 8.45
